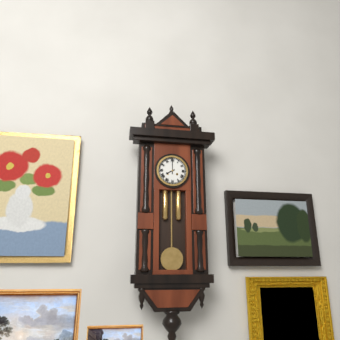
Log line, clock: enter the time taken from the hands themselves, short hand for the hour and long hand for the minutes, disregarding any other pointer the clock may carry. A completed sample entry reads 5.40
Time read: 8.00
